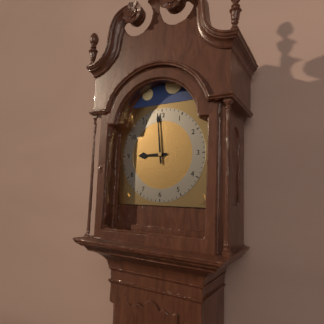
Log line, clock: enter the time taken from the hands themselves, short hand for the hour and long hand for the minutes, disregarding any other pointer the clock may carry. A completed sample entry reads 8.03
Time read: 8.59
